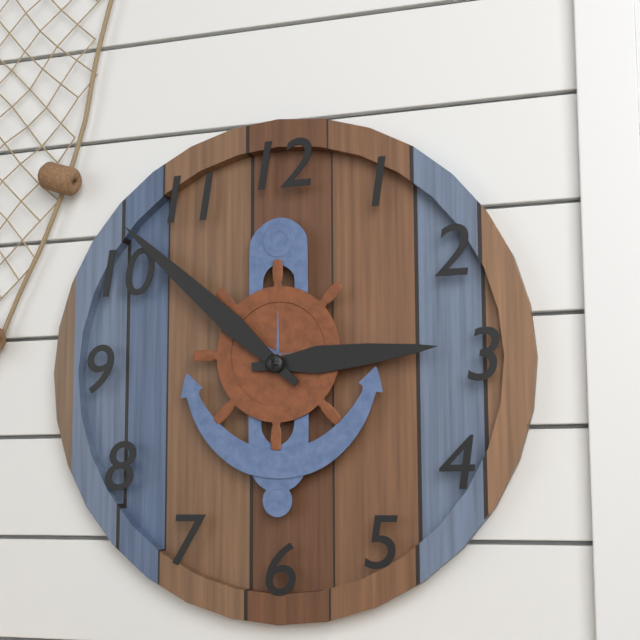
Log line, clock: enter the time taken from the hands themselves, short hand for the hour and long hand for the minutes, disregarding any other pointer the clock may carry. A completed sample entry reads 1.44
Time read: 2.52
